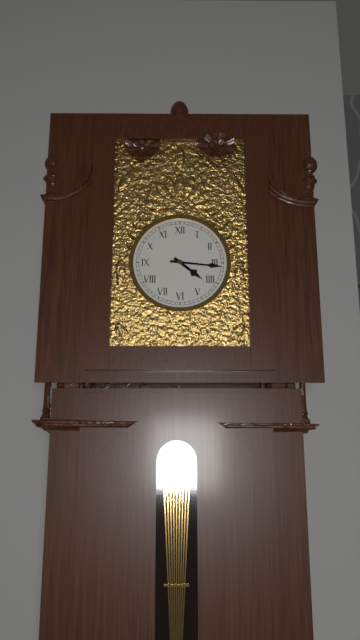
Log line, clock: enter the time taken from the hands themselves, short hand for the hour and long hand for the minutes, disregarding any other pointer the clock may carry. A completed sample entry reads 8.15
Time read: 4.16
